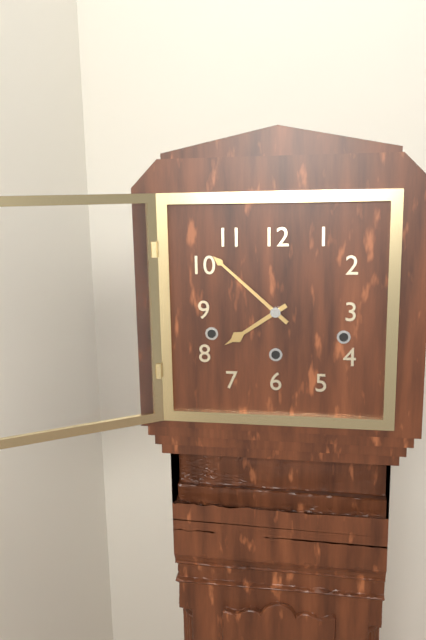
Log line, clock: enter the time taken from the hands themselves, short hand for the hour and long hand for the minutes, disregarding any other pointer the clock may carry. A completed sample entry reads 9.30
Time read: 7.52
